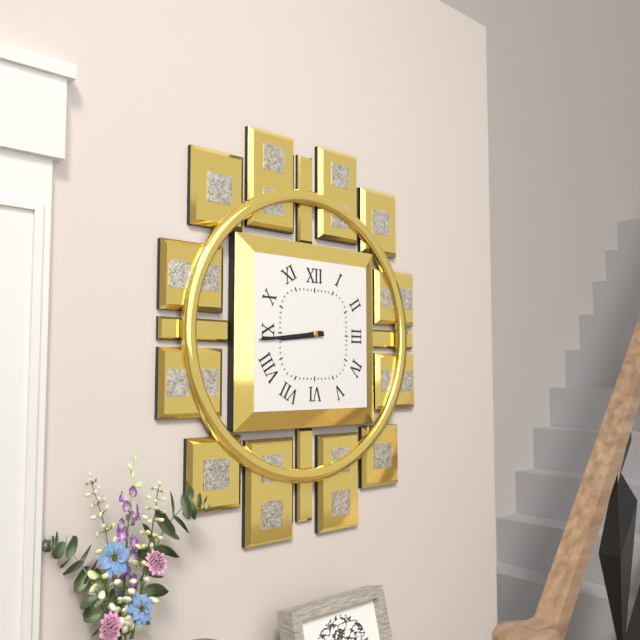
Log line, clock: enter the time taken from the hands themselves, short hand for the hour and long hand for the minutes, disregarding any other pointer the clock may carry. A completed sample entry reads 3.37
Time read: 8.44
